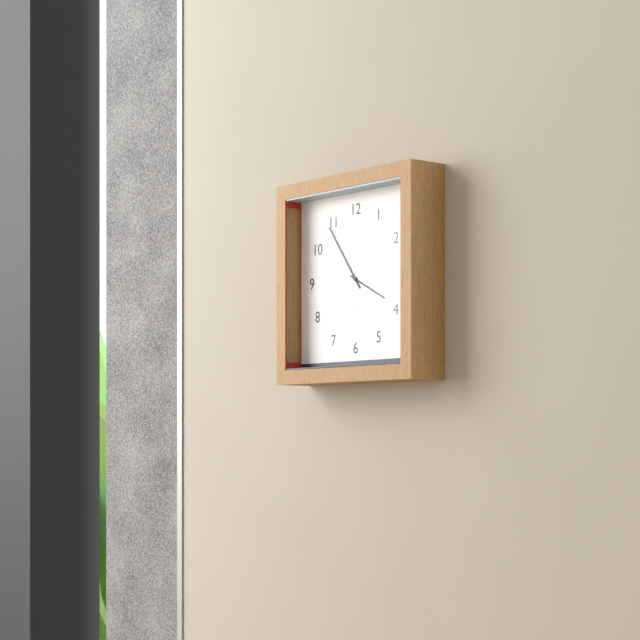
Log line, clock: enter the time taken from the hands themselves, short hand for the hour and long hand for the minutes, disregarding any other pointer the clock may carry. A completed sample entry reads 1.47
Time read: 3.54
